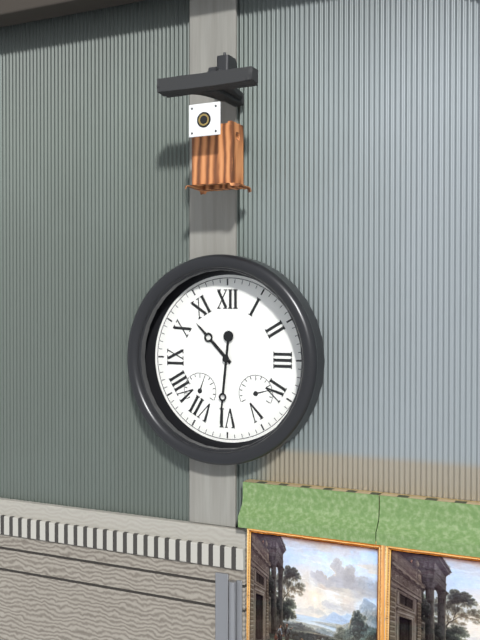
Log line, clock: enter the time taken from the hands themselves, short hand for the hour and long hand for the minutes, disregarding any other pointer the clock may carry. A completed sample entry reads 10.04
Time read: 10.31
